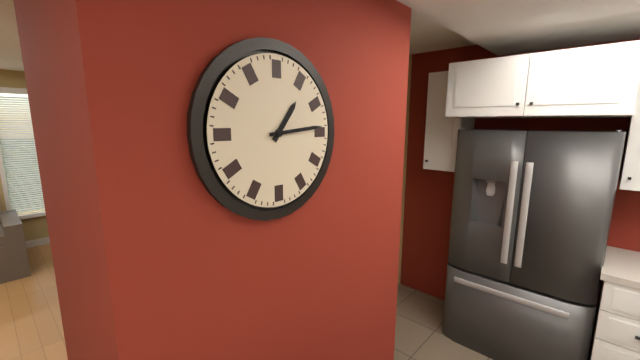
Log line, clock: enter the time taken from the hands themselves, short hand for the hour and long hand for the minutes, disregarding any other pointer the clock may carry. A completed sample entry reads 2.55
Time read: 1.14
